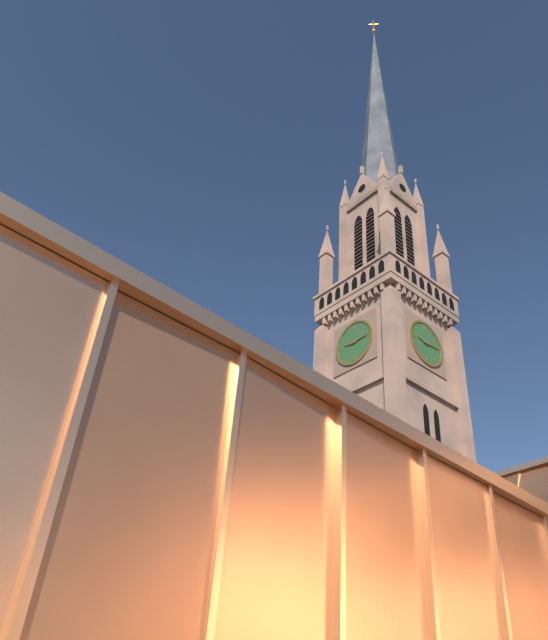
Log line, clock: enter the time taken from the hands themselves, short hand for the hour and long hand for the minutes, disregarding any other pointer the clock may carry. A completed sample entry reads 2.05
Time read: 9.14
